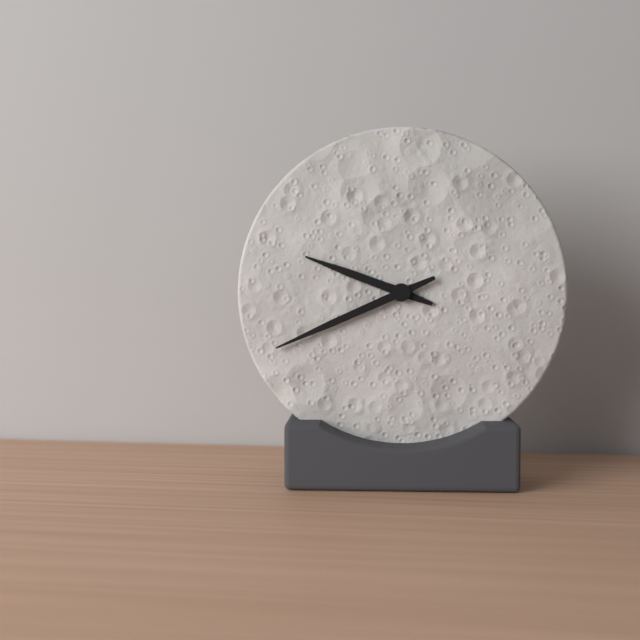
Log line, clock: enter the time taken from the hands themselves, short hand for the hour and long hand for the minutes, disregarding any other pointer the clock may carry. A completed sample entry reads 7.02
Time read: 9.41
